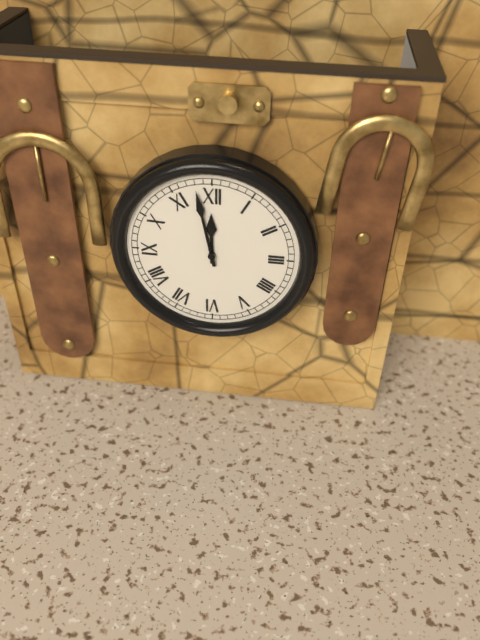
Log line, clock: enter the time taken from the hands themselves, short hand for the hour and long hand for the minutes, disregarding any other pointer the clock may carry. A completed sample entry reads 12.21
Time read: 11.58
